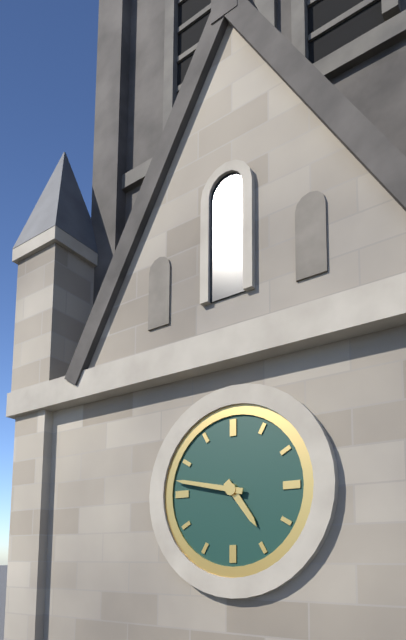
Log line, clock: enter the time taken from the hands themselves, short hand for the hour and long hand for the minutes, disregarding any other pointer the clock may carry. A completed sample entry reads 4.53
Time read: 4.47
